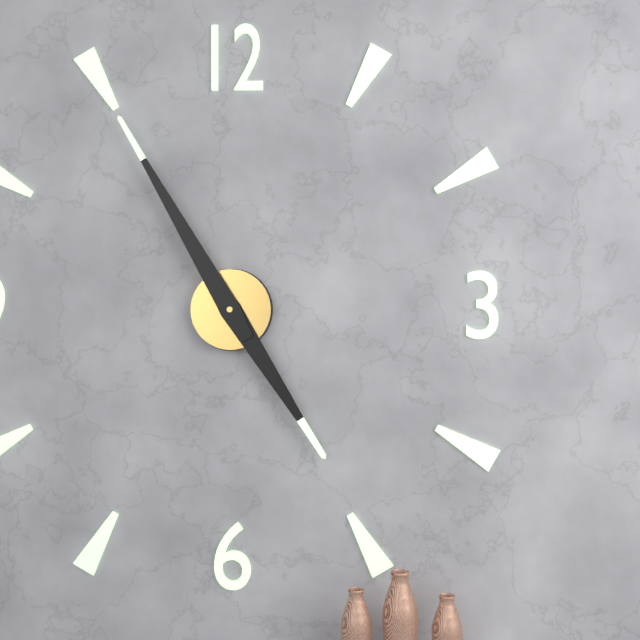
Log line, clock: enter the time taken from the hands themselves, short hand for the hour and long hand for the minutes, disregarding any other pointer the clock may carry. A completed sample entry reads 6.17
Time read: 4.55
